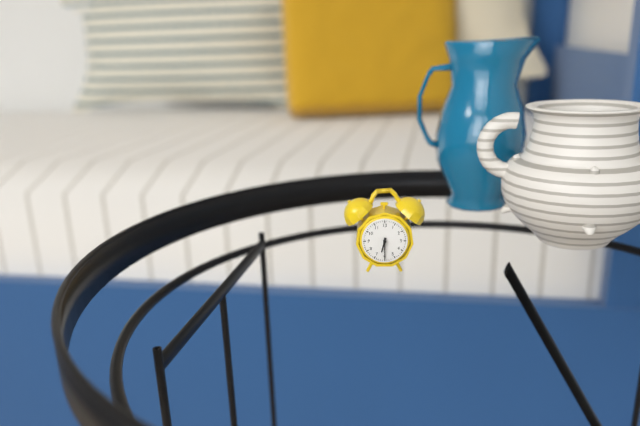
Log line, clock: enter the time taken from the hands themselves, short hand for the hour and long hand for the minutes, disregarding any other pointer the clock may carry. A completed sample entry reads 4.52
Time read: 6.30
